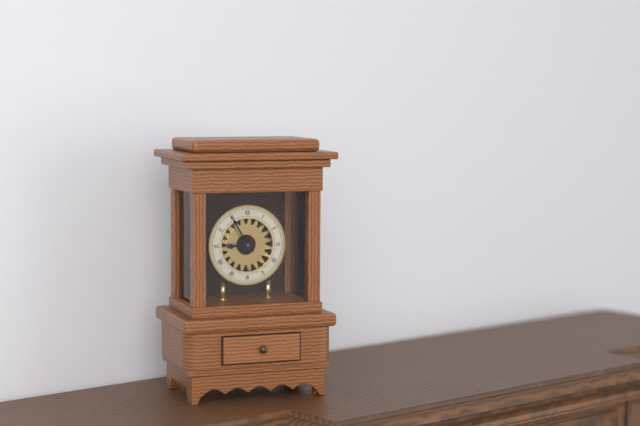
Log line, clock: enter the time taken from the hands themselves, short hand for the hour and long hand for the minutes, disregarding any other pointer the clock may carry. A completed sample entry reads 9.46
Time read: 8.55
